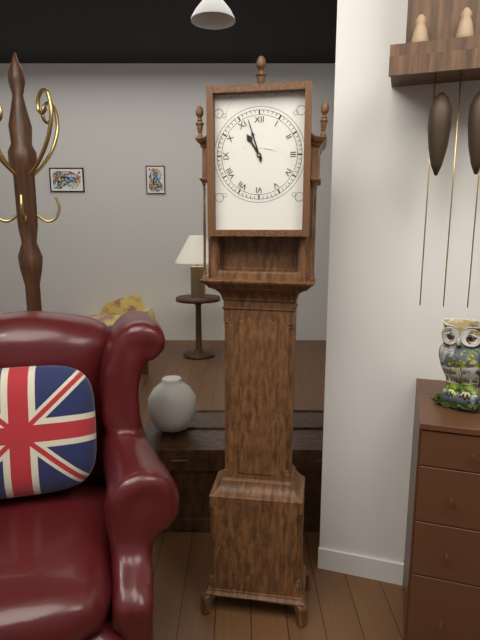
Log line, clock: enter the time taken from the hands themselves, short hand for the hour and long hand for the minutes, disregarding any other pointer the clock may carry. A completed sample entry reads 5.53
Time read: 10.57
